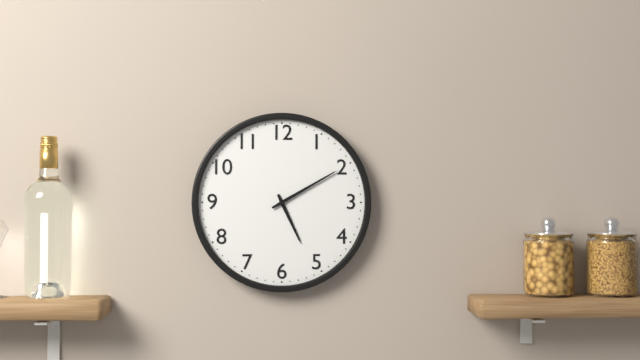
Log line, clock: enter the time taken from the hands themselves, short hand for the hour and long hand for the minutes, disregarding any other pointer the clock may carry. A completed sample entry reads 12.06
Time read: 5.10
